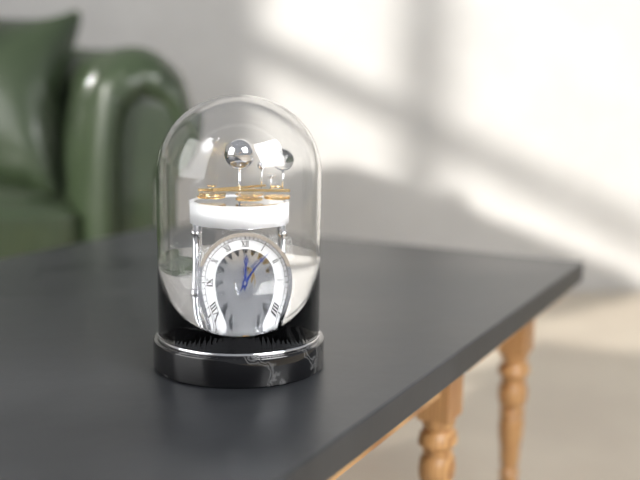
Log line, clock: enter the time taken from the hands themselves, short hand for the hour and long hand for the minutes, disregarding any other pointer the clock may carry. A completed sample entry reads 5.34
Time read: 12.07
